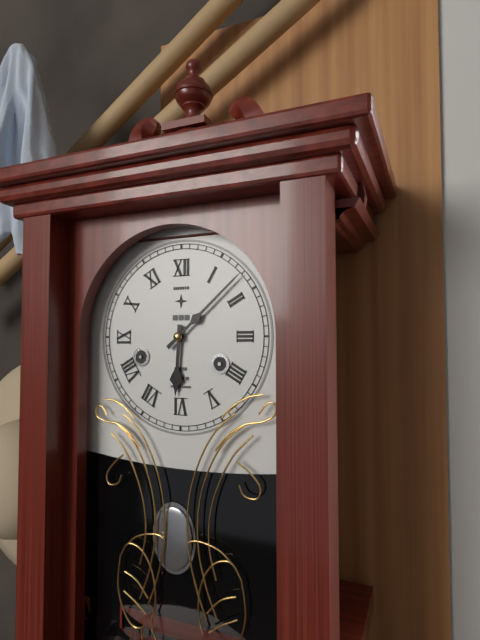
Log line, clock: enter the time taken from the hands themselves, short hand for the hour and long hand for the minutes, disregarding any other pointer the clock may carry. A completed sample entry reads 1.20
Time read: 6.08
